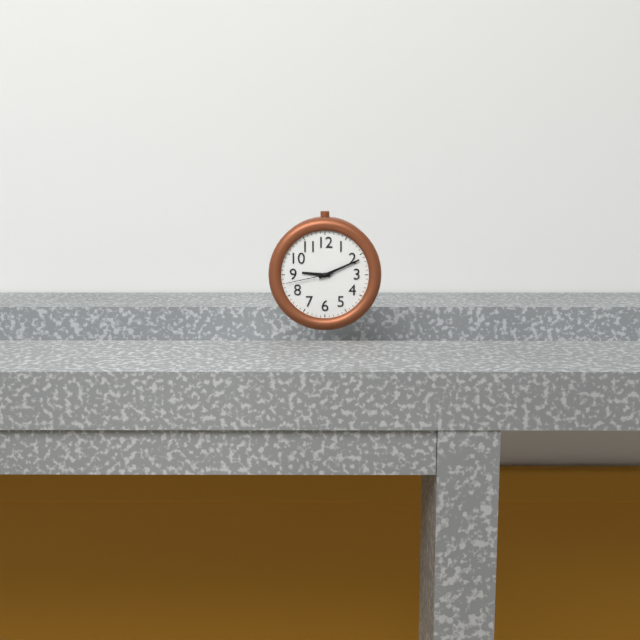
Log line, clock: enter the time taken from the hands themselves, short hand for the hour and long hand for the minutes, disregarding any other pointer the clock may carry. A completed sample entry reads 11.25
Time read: 9.11
